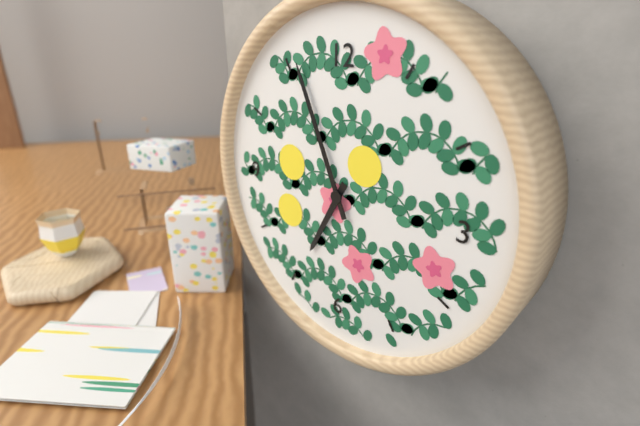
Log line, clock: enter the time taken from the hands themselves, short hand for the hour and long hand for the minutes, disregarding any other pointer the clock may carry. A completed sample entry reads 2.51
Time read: 6.56
